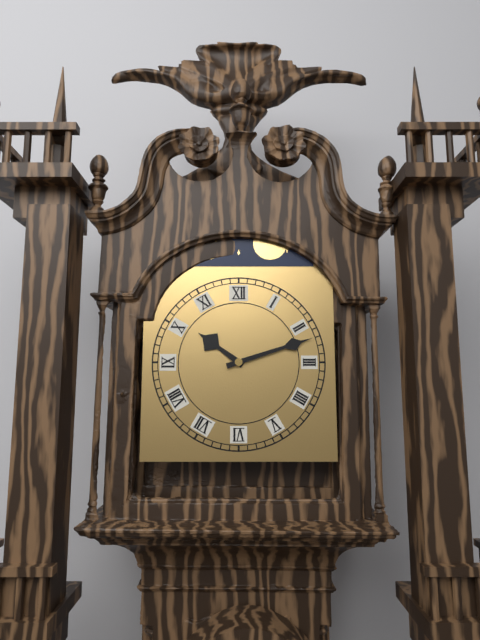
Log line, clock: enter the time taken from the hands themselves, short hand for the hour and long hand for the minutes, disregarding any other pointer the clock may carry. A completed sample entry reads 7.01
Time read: 10.12
